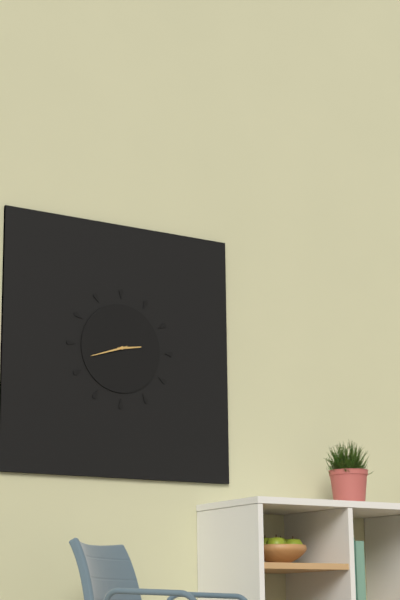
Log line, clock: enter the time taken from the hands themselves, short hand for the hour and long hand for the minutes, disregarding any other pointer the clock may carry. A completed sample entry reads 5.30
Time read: 2.42
